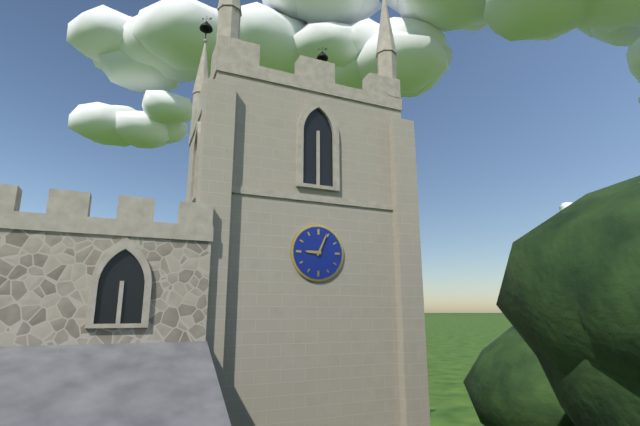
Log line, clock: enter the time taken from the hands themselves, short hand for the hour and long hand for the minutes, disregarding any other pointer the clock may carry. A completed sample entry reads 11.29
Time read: 9.04
